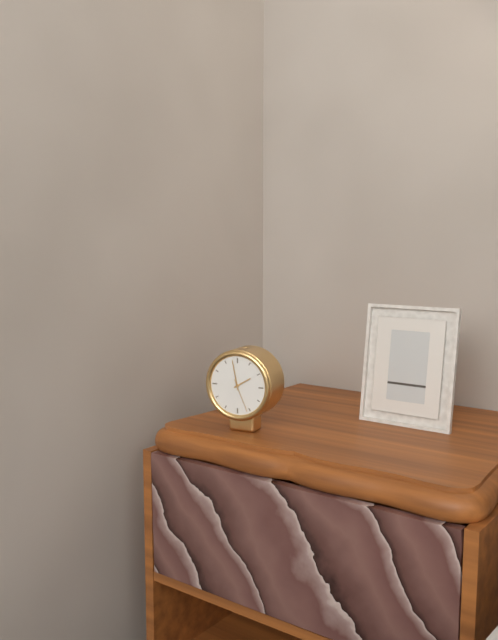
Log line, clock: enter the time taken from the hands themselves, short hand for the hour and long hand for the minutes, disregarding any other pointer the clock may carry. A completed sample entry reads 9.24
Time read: 1.58
